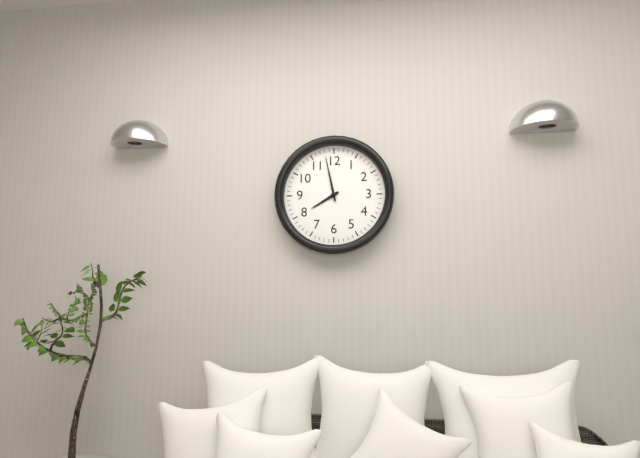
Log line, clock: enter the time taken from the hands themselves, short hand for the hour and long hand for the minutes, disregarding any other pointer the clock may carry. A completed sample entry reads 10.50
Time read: 7.58
